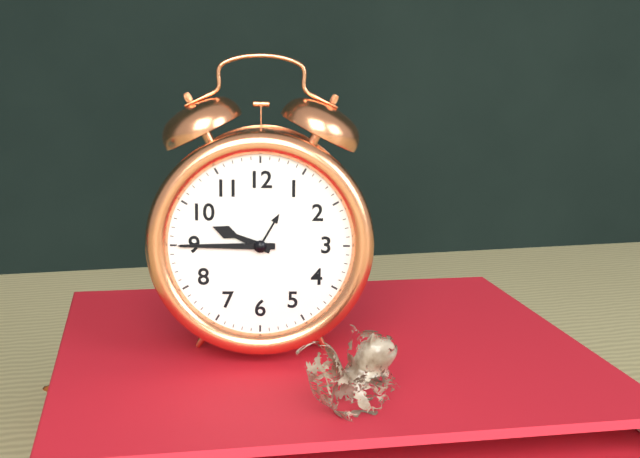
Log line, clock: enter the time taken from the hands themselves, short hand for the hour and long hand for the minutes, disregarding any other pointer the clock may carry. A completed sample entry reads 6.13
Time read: 9.45
